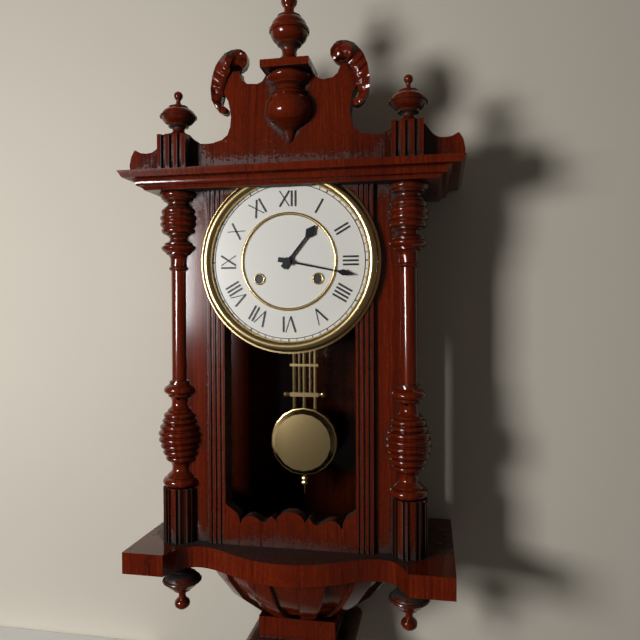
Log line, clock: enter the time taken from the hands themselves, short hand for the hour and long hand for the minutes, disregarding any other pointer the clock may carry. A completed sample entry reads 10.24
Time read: 1.17
